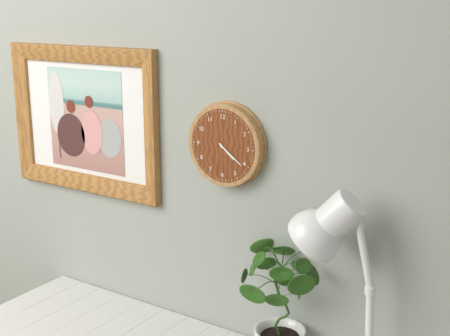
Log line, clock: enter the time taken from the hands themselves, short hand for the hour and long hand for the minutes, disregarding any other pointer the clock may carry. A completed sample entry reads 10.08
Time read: 4.21
